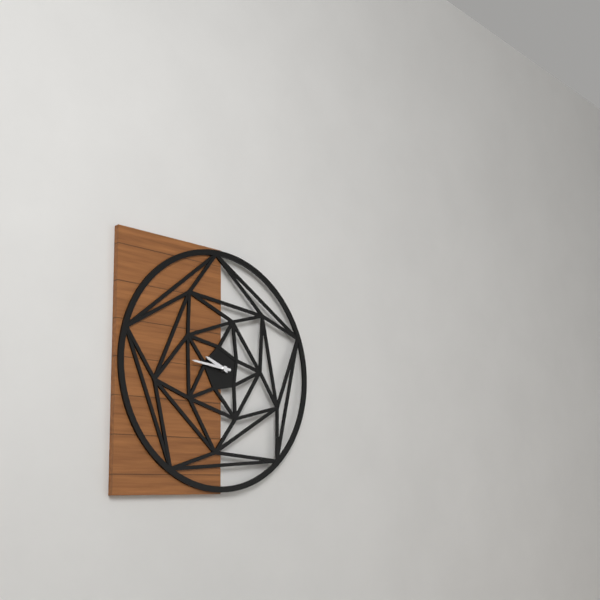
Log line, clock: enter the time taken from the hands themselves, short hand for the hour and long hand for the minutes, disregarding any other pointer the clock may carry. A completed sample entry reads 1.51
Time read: 9.46
